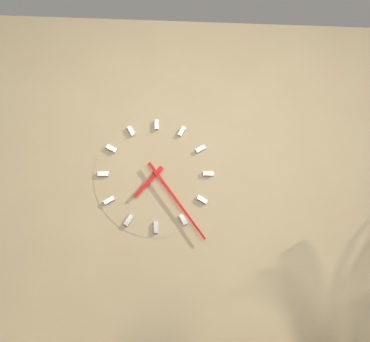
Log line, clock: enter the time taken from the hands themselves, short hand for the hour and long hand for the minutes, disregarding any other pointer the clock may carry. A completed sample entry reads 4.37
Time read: 7.24
